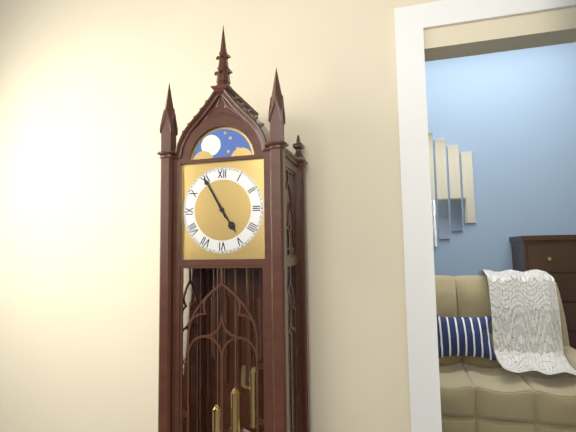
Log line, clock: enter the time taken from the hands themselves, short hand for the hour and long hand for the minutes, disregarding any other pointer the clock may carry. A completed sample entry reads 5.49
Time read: 4.55
